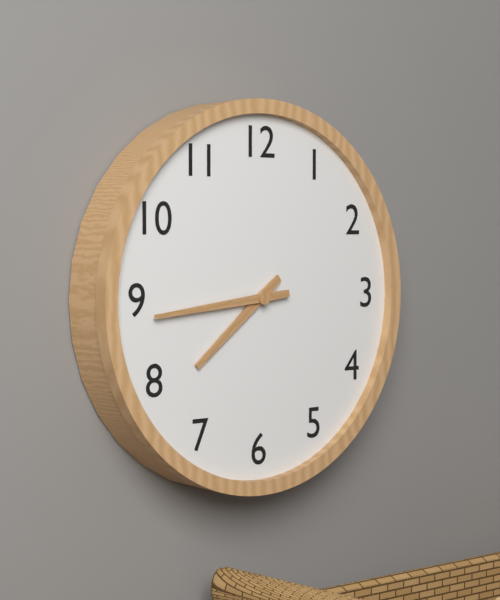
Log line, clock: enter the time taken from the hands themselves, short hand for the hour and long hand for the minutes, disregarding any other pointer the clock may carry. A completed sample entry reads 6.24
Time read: 7.44
